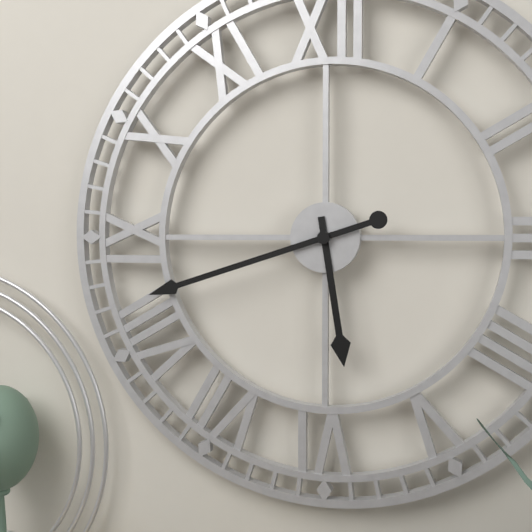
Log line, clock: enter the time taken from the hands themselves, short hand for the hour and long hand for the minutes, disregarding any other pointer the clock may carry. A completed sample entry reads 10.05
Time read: 5.42
